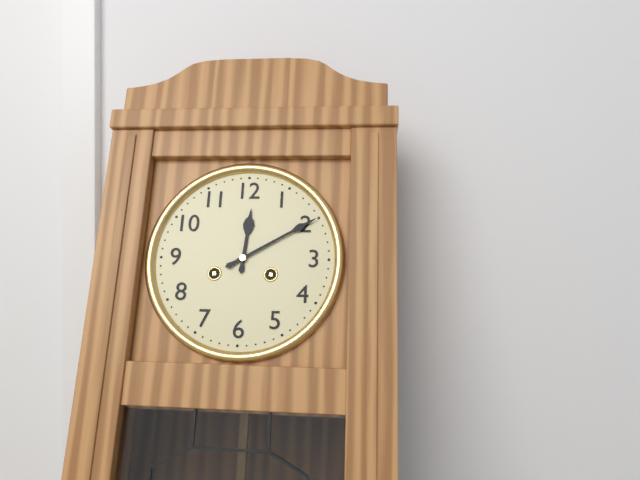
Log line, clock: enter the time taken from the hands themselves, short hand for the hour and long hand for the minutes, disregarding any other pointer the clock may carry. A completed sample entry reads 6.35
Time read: 12.10
